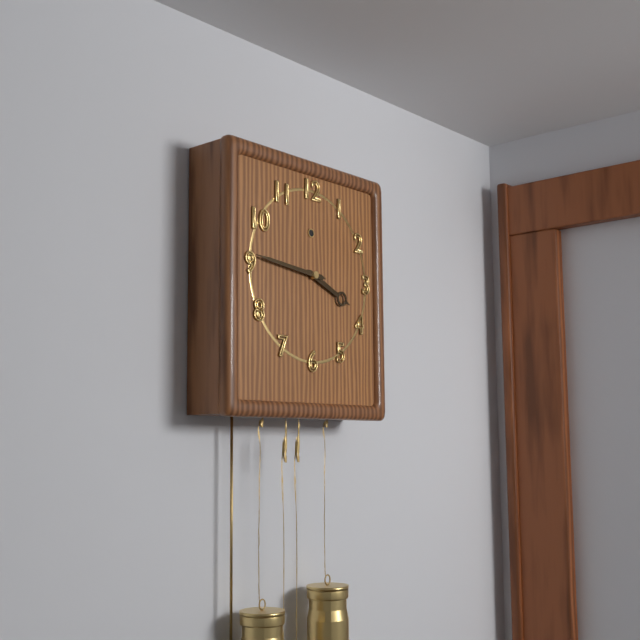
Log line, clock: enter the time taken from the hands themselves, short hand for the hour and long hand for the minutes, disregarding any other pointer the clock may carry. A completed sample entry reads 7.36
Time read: 3.46
